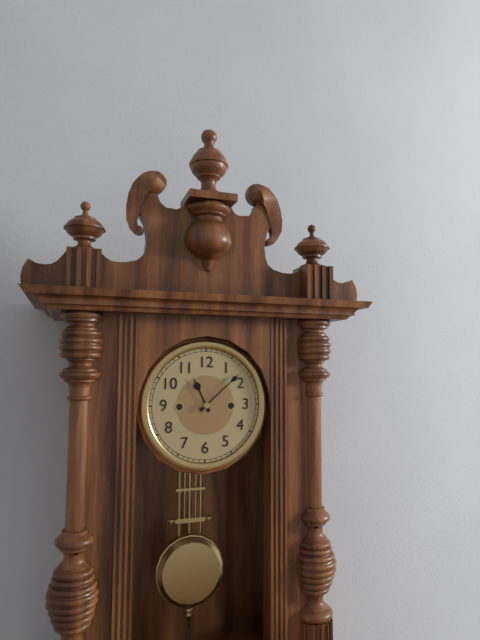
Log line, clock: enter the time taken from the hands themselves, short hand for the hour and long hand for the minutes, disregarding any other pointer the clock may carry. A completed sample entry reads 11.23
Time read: 11.08
